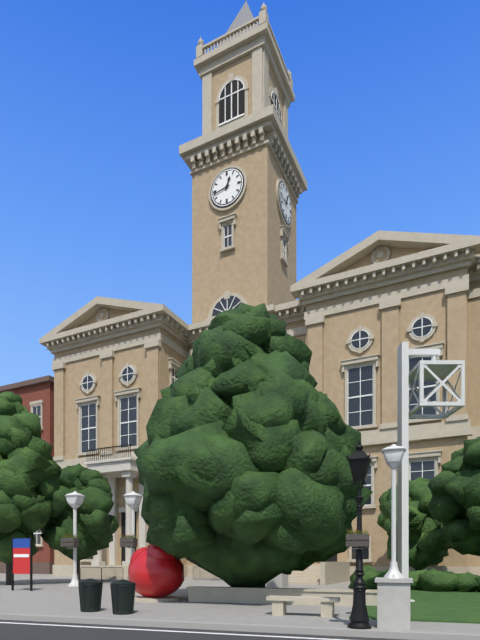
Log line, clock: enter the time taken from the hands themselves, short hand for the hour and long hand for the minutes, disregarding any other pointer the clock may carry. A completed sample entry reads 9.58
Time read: 12.43
